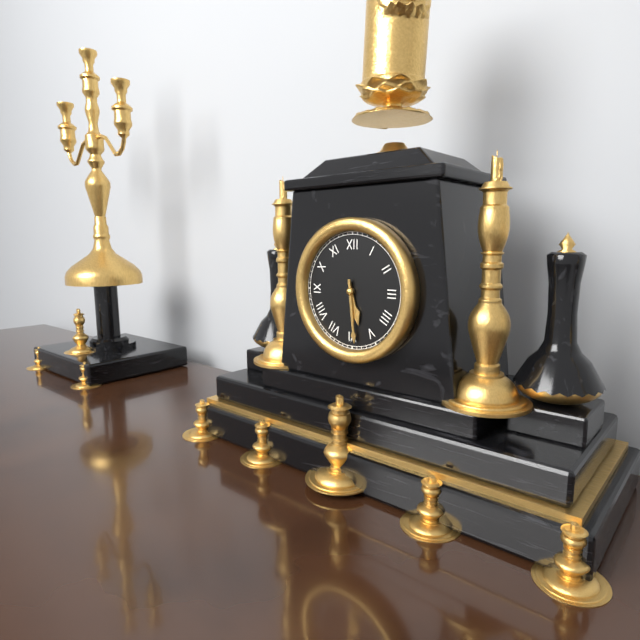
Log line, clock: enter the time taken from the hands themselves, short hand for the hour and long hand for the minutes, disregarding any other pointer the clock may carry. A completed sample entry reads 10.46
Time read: 5.29
